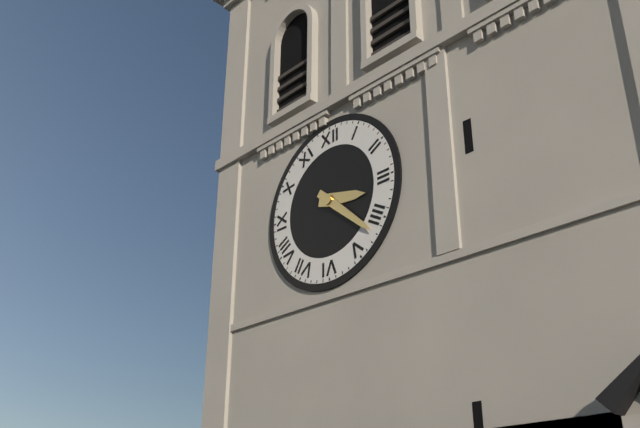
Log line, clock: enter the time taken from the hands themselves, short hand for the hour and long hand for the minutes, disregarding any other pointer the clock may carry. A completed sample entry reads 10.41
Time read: 3.22
